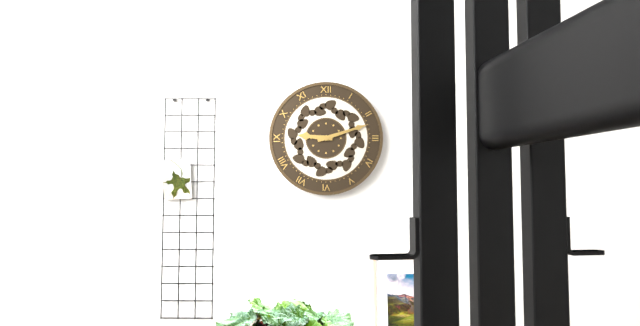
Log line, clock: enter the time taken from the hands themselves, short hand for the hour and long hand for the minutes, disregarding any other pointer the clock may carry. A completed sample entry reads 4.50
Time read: 9.12
